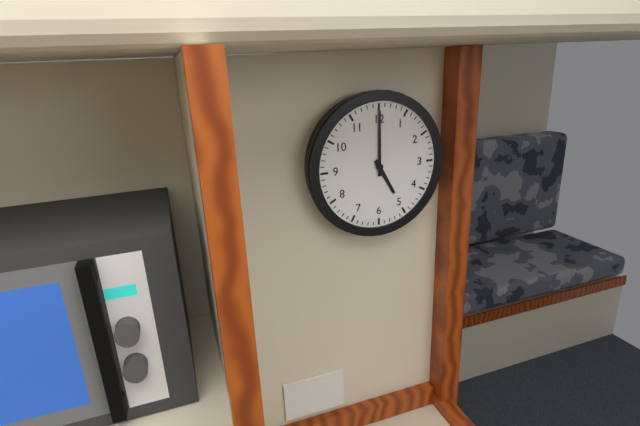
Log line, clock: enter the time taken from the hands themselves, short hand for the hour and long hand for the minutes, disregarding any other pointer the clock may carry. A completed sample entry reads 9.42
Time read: 5.00
